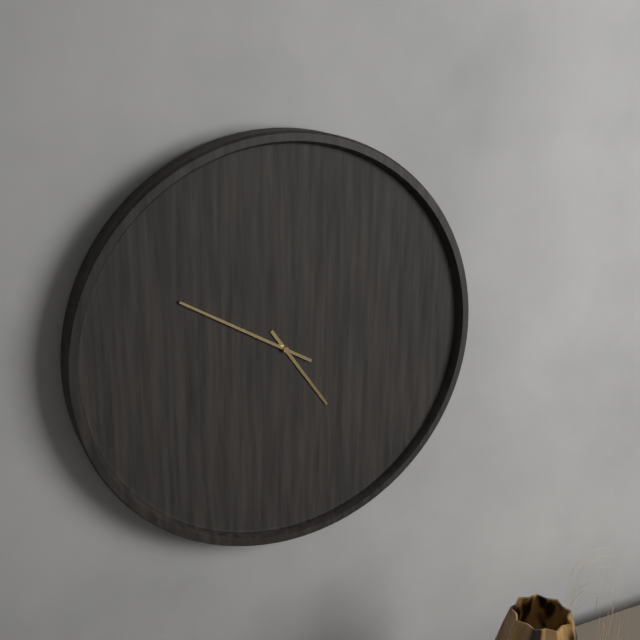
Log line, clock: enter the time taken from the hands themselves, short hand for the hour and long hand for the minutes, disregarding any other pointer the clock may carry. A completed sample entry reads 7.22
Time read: 4.50
